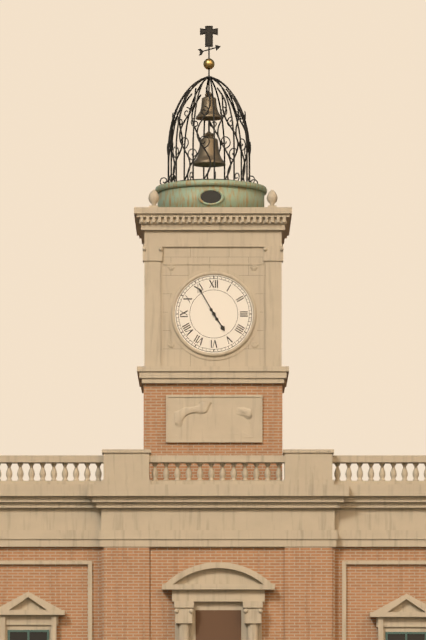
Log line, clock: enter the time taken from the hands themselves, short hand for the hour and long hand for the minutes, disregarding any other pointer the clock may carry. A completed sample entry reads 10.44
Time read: 4.55
